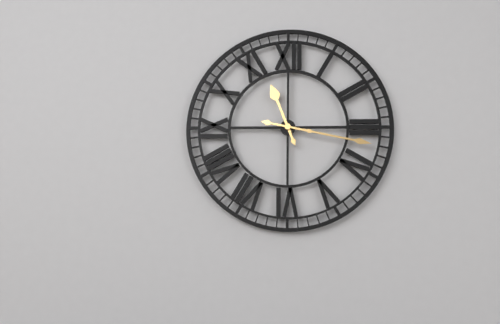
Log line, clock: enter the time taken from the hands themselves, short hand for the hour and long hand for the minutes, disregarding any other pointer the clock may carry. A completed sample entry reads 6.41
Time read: 11.17
